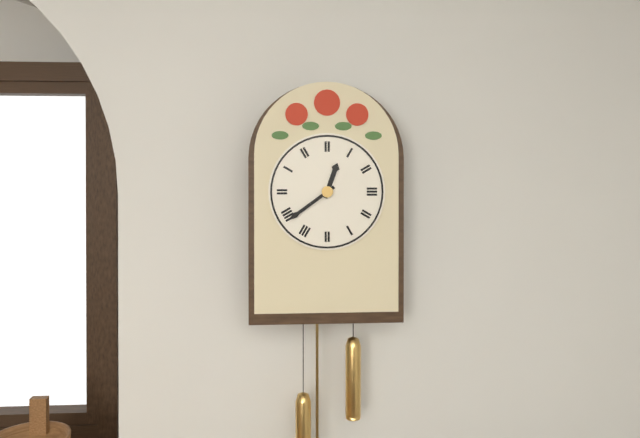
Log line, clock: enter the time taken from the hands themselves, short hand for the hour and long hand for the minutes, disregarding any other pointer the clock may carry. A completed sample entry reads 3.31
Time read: 12.39
